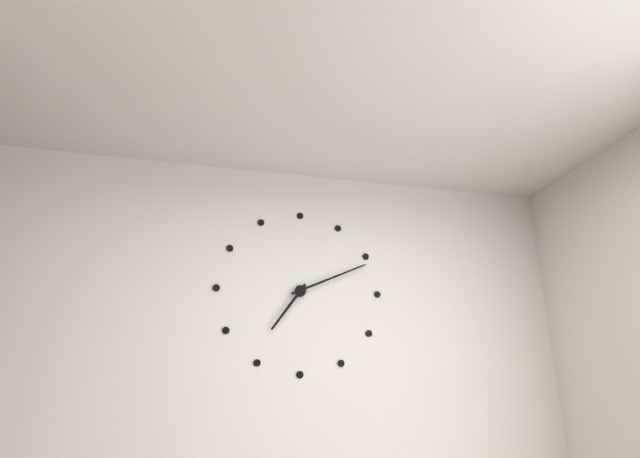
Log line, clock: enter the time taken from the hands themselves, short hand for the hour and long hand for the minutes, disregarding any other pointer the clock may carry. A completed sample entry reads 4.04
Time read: 7.11
